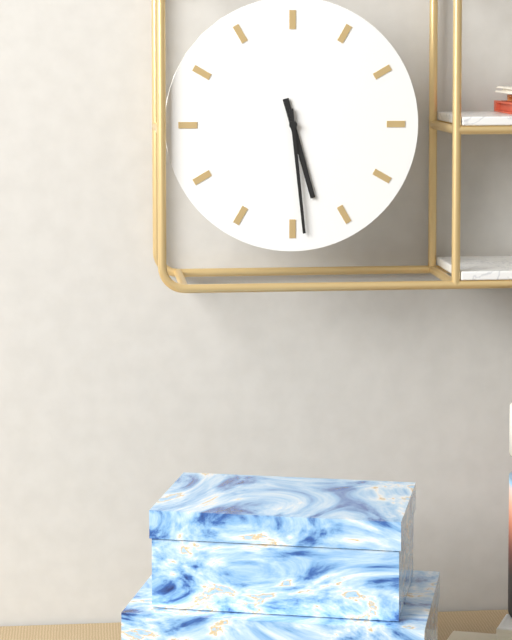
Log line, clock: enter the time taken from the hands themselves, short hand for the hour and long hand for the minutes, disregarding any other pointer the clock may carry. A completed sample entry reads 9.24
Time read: 5.29
